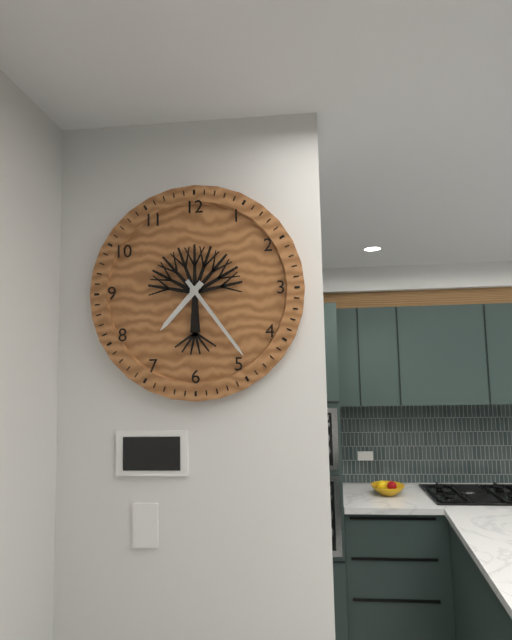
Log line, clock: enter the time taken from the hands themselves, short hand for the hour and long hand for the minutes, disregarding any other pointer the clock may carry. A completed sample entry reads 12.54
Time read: 7.24
